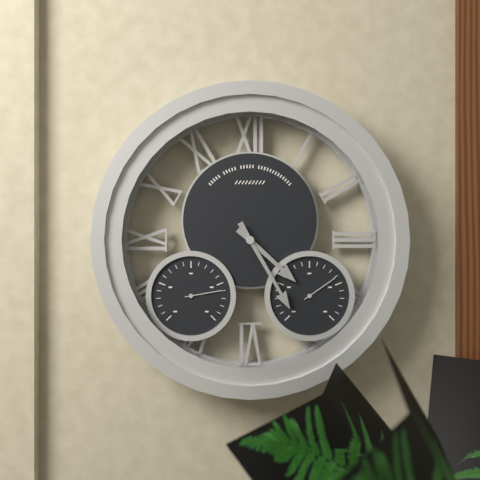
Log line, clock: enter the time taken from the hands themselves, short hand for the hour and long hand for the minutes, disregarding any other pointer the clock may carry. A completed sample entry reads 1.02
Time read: 4.25
